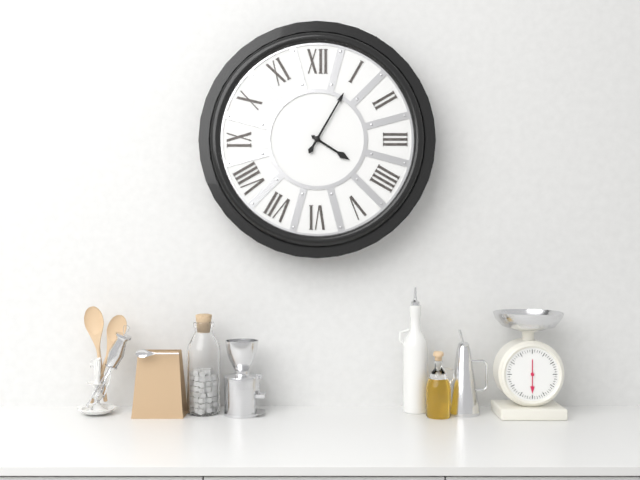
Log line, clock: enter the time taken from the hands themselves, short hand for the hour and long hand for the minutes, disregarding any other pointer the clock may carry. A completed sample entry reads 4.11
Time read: 4.05
